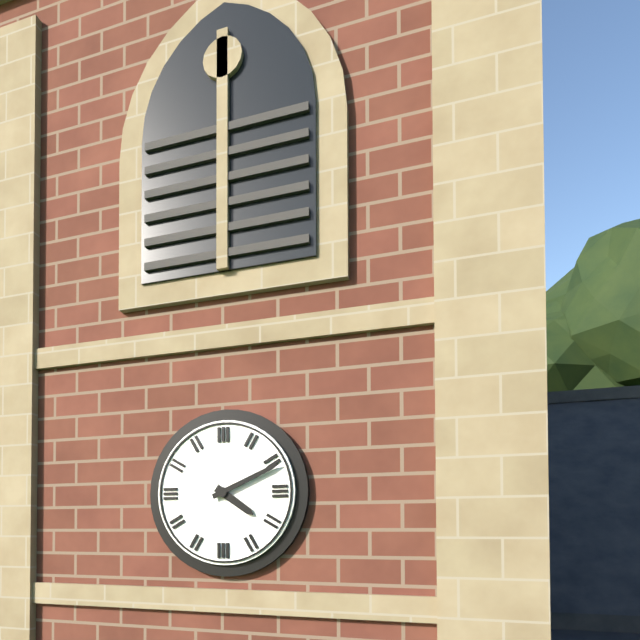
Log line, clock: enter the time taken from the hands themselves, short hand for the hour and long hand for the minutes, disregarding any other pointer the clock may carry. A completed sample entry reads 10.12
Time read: 4.11
